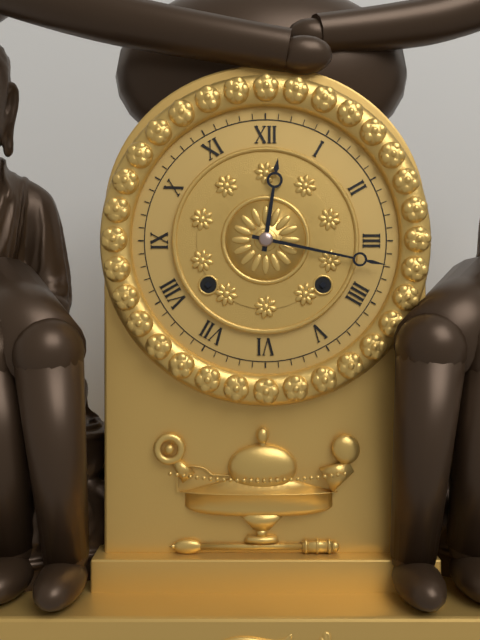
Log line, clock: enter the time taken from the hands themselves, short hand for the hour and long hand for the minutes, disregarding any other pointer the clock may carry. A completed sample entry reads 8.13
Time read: 12.17
